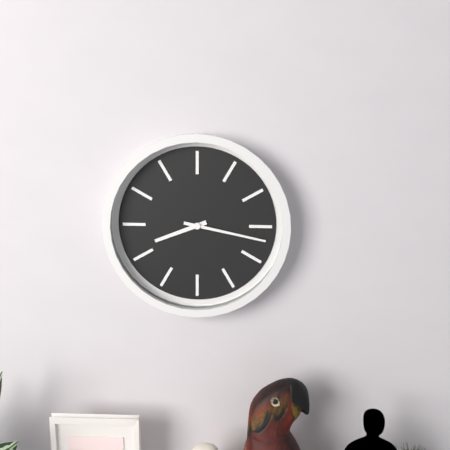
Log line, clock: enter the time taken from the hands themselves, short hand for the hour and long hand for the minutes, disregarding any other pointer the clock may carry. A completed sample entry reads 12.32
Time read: 8.17
